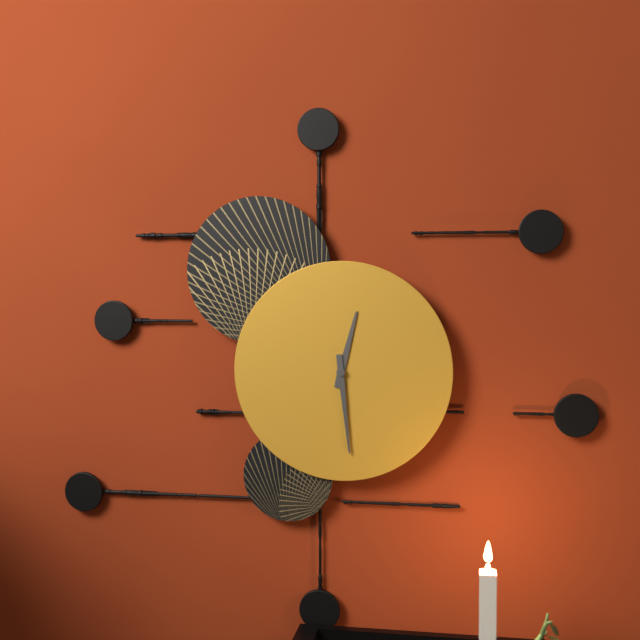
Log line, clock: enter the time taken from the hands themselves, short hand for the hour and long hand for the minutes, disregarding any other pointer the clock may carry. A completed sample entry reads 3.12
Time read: 12.29
